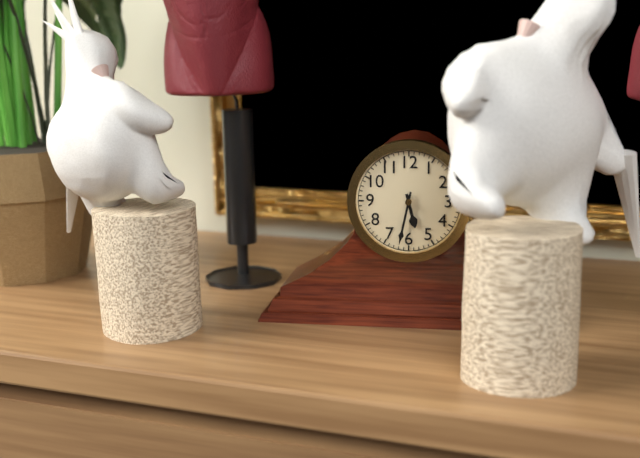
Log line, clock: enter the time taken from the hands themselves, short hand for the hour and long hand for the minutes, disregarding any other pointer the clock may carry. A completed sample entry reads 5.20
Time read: 5.32
